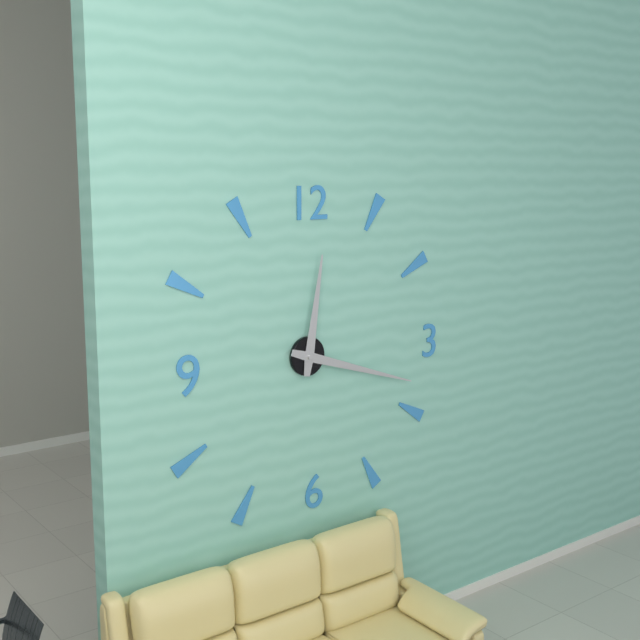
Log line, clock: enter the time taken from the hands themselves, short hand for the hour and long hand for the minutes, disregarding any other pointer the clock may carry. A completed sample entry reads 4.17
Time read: 12.18
